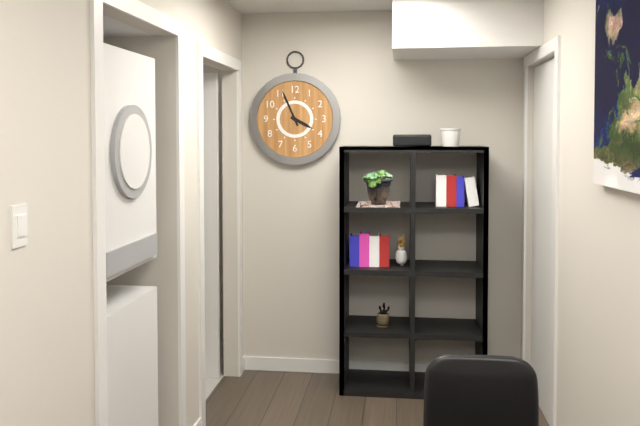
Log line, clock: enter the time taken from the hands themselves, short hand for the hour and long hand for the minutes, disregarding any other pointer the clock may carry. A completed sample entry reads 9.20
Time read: 3.56
